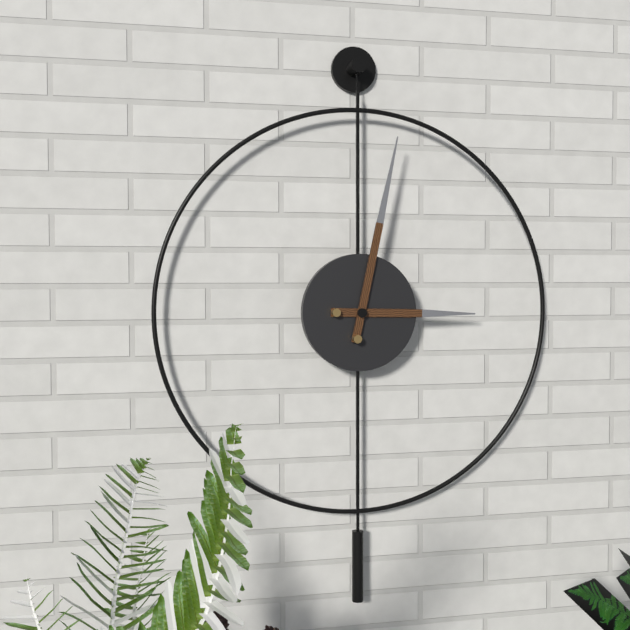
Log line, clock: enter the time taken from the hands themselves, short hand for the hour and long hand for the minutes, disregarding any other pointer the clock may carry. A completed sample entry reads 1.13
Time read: 3.02
